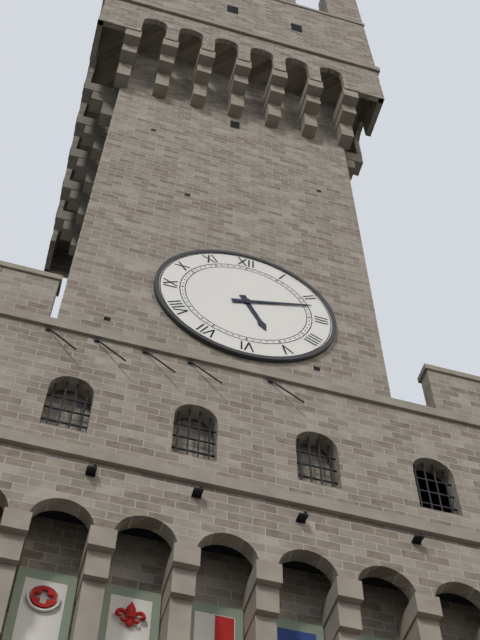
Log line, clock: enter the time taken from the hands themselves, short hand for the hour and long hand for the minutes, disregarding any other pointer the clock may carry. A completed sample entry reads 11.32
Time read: 5.12
